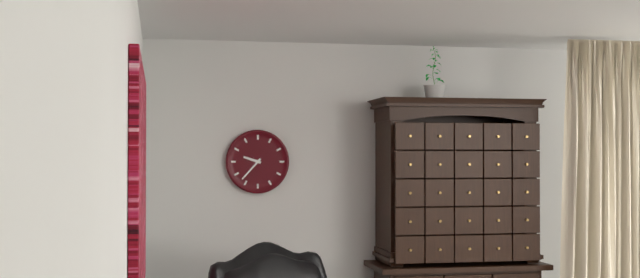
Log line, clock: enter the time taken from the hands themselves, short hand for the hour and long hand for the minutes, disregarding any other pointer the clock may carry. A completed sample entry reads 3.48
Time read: 9.37
